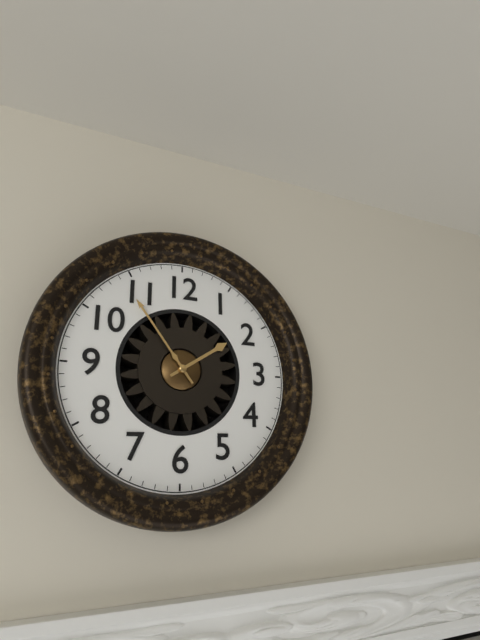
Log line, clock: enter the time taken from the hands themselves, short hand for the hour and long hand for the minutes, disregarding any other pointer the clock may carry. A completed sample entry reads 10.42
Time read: 1.54
